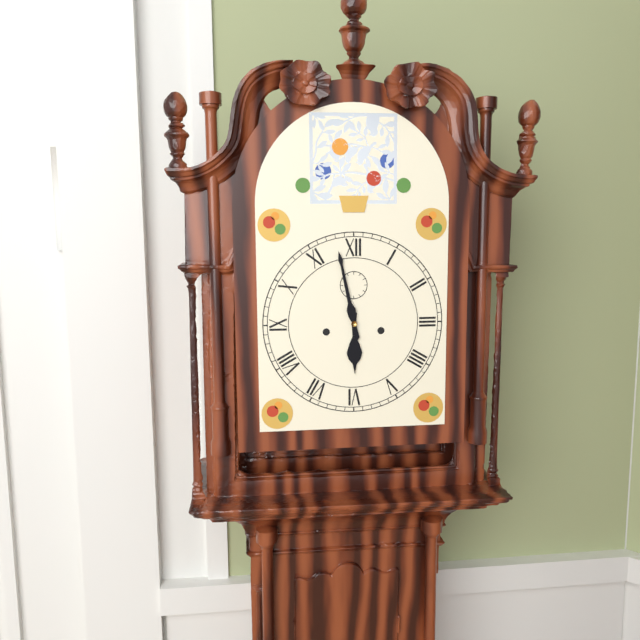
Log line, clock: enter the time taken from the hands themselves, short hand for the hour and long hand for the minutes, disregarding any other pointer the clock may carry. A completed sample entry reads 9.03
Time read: 5.58
